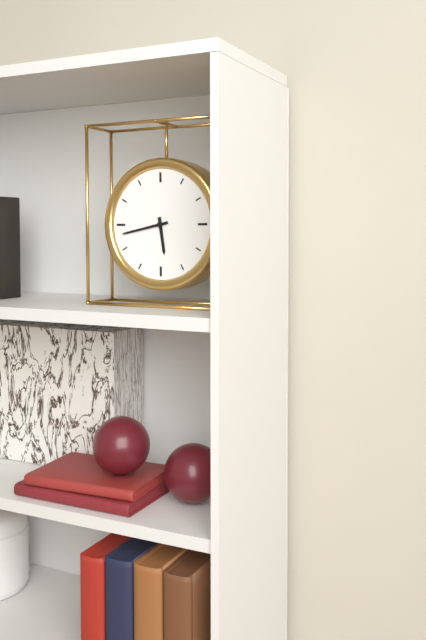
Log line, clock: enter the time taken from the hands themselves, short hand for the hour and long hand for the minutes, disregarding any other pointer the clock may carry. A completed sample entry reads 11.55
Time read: 5.43
